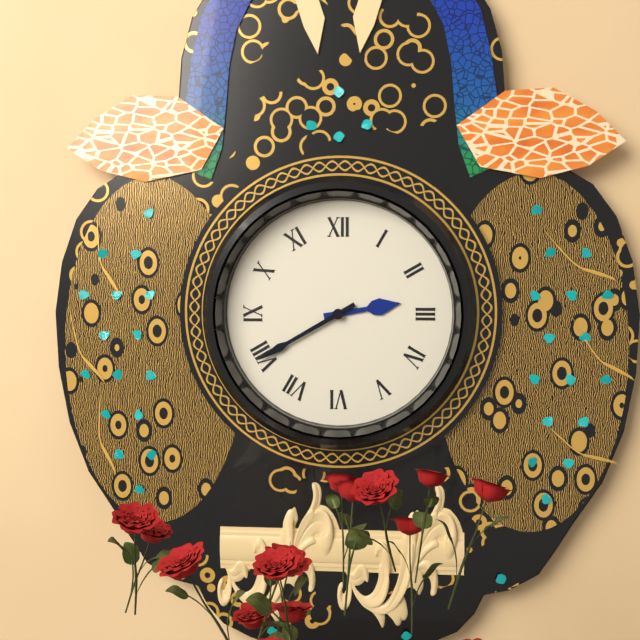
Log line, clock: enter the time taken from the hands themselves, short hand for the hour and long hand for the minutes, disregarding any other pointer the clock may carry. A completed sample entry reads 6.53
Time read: 2.40
